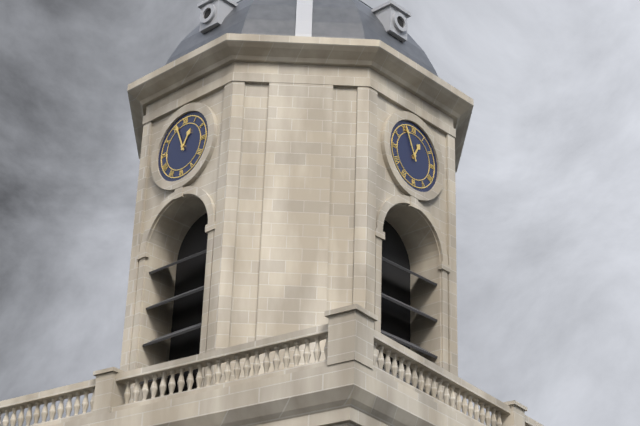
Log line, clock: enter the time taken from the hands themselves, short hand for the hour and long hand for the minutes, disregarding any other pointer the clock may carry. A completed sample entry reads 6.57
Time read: 12.56
